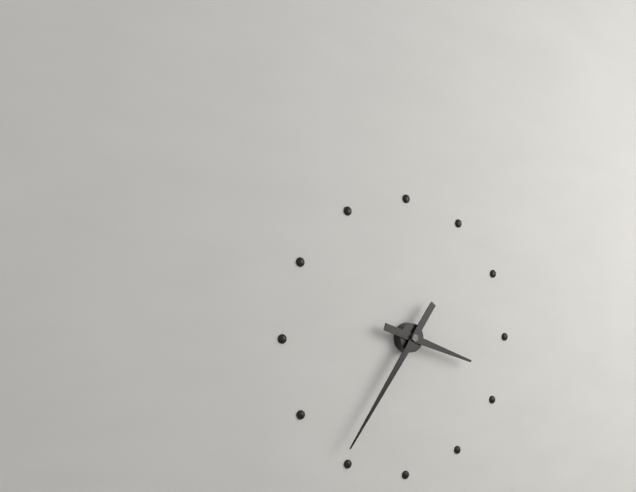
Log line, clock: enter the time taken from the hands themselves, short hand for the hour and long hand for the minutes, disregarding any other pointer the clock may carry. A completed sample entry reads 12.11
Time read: 3.36
